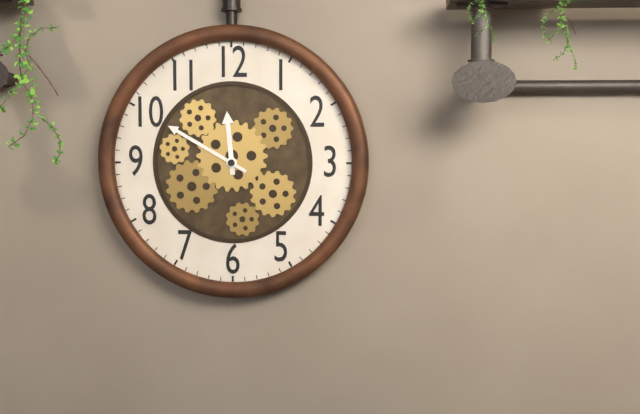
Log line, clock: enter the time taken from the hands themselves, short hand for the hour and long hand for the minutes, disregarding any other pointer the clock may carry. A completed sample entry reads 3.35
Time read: 11.50
